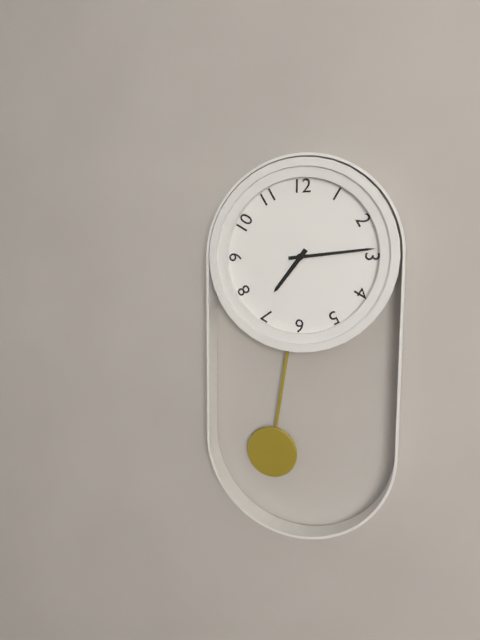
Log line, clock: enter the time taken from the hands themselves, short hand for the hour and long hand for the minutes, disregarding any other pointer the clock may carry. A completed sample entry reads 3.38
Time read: 7.14
